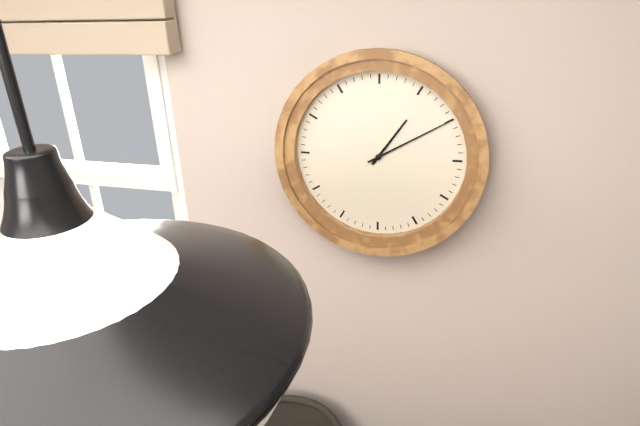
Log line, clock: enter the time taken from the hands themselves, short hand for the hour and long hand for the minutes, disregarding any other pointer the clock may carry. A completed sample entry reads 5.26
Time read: 1.10
